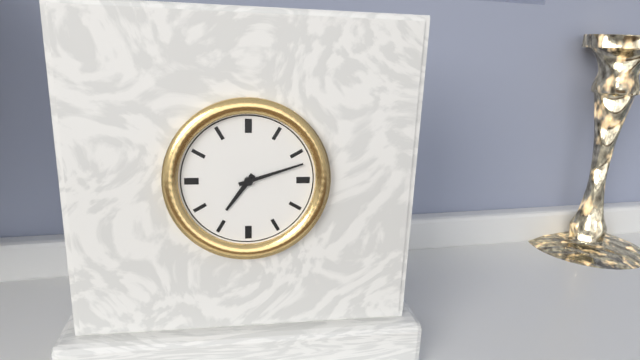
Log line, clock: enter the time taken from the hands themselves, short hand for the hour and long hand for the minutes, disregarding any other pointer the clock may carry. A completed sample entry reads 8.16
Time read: 7.12
